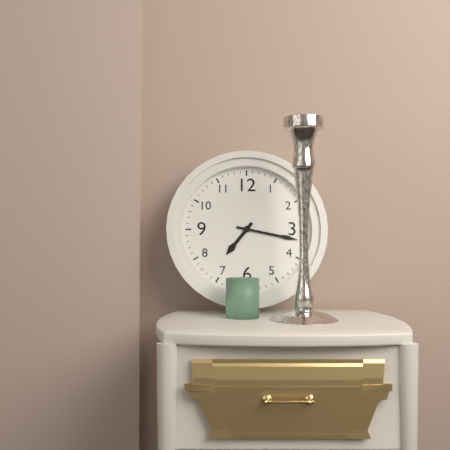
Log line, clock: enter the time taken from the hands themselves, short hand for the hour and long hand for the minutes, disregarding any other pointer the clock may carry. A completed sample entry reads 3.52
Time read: 7.17
